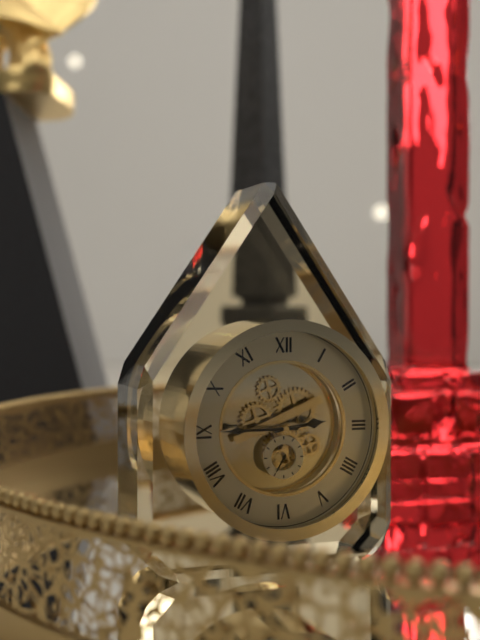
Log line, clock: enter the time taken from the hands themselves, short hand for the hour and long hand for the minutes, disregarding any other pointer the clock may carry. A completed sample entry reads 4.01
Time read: 2.45
